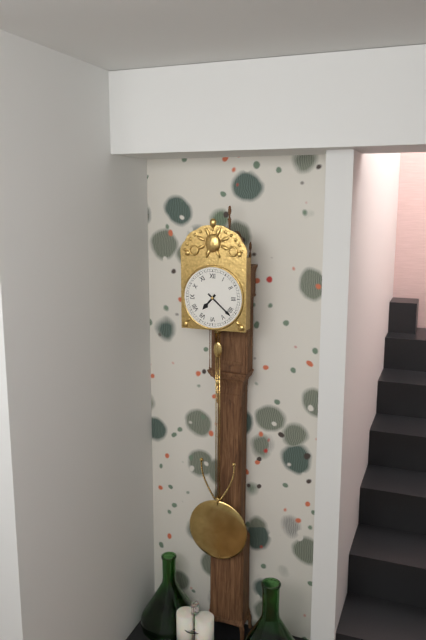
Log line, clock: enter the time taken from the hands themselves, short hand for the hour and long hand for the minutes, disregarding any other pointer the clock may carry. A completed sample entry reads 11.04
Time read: 7.22
